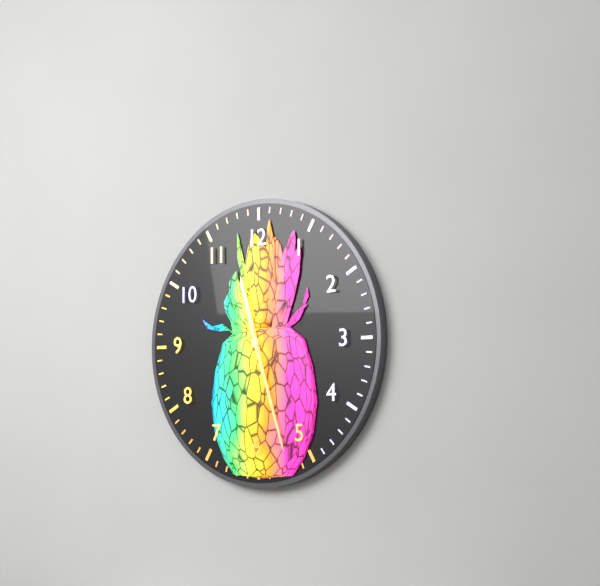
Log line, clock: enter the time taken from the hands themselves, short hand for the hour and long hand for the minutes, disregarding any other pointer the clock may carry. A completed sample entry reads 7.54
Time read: 11.27
